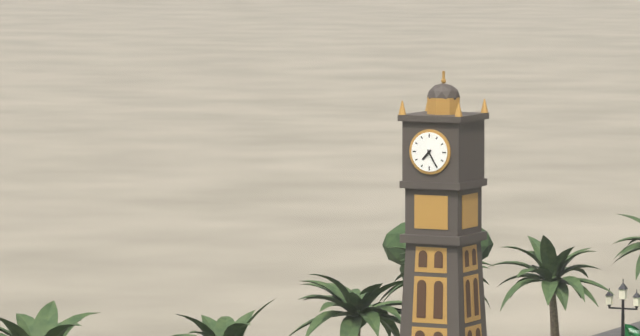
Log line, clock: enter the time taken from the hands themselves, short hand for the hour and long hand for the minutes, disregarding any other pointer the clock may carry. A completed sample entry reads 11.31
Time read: 7.25
